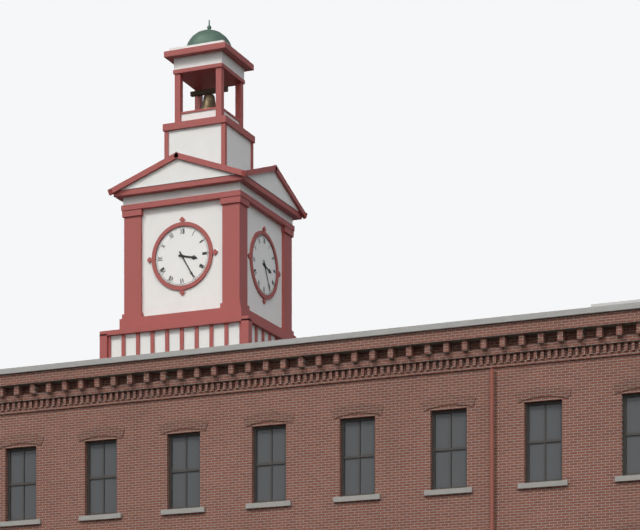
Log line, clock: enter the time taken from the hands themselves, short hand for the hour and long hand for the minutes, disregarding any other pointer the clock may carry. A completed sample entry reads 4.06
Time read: 3.25
